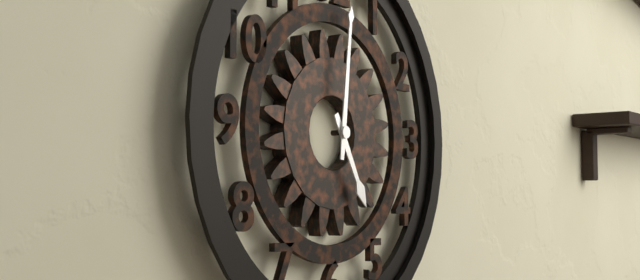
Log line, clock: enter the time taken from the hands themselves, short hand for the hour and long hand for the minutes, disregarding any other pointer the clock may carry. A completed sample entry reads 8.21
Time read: 5.01
